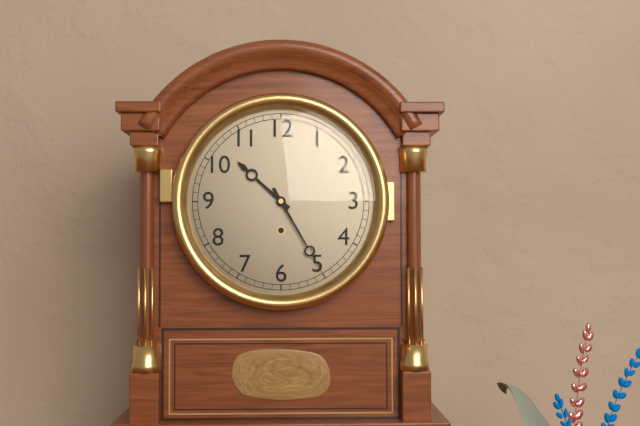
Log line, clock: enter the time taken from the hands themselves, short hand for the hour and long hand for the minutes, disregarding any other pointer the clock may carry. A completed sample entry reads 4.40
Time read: 10.25
